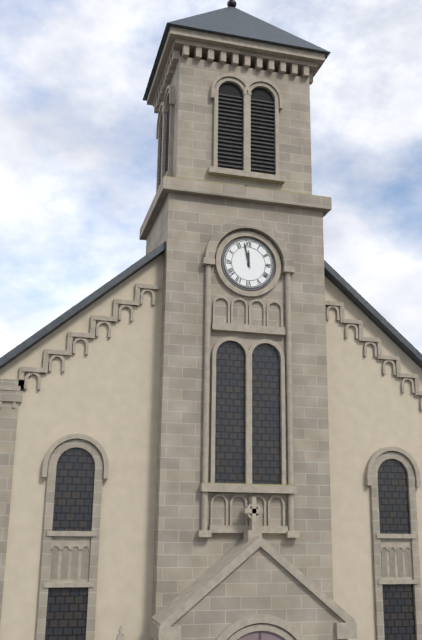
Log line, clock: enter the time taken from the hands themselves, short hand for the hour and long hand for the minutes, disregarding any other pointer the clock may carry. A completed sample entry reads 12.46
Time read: 11.58
